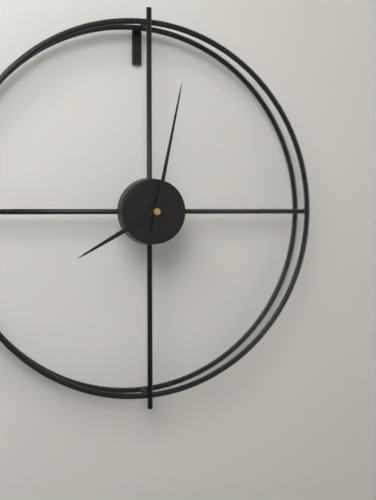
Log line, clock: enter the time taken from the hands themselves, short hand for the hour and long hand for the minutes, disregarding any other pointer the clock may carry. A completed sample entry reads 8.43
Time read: 8.02
